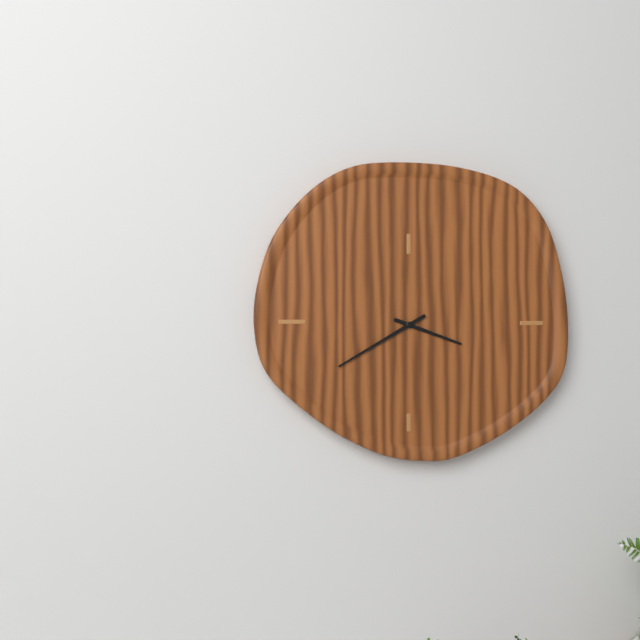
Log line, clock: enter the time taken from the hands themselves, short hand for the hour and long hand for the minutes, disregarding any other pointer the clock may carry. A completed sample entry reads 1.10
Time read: 3.40
